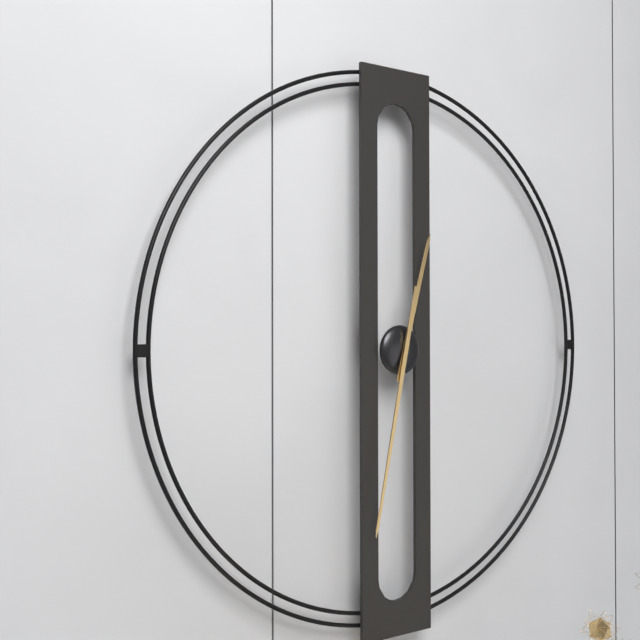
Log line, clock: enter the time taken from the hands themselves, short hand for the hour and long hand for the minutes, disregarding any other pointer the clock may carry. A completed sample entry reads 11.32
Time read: 12.32
